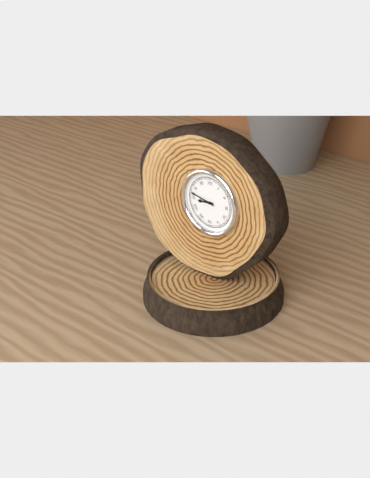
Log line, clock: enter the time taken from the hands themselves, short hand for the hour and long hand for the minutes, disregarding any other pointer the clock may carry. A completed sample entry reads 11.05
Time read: 8.47
